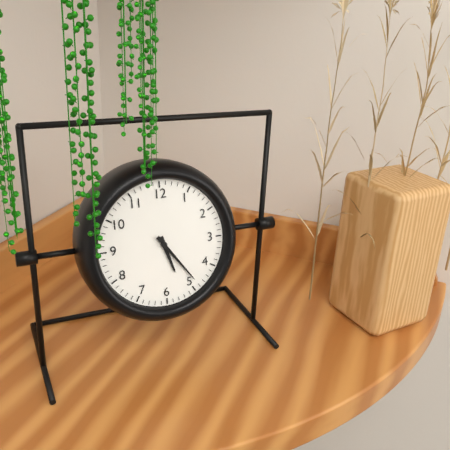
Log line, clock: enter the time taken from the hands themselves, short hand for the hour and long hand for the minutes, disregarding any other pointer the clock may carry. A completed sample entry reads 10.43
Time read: 5.24
